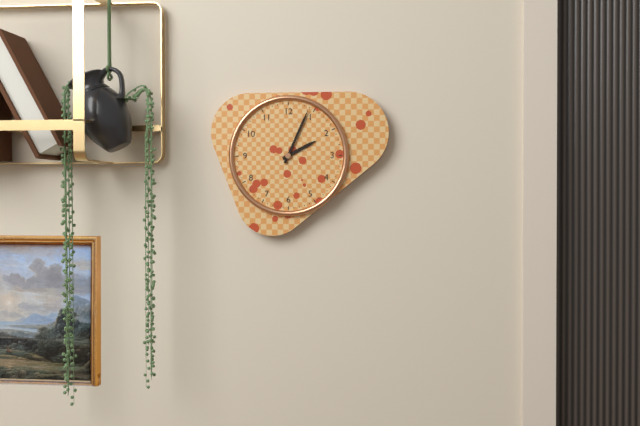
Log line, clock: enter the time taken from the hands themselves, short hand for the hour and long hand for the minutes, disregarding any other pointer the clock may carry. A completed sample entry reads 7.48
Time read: 2.04
